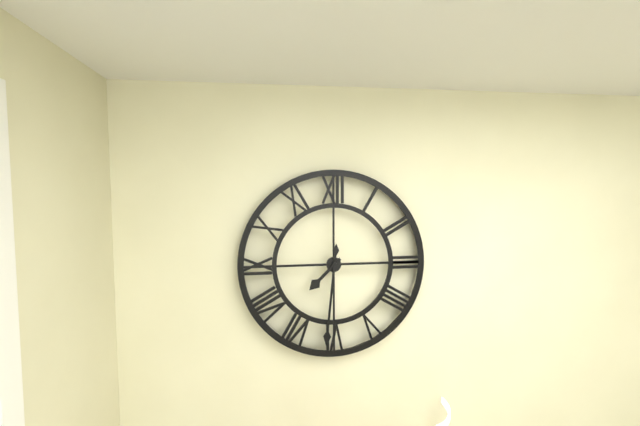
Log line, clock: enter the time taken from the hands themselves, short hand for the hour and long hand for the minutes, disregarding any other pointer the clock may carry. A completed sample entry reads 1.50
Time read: 7.31
